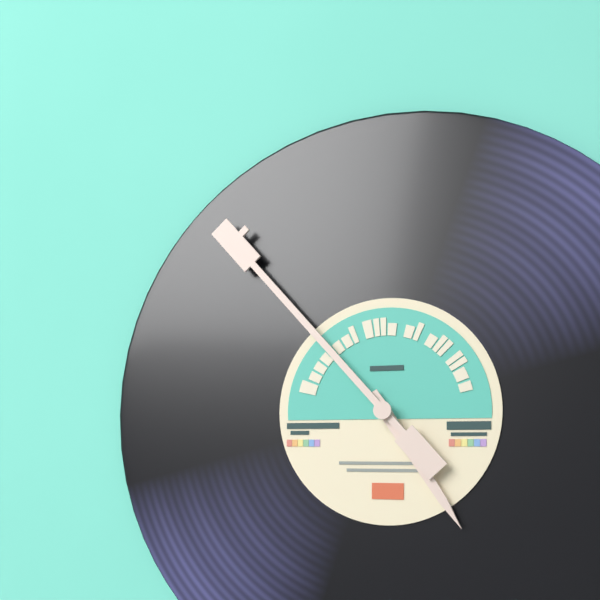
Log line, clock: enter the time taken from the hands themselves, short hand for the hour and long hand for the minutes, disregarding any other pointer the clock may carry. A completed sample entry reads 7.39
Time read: 4.53
